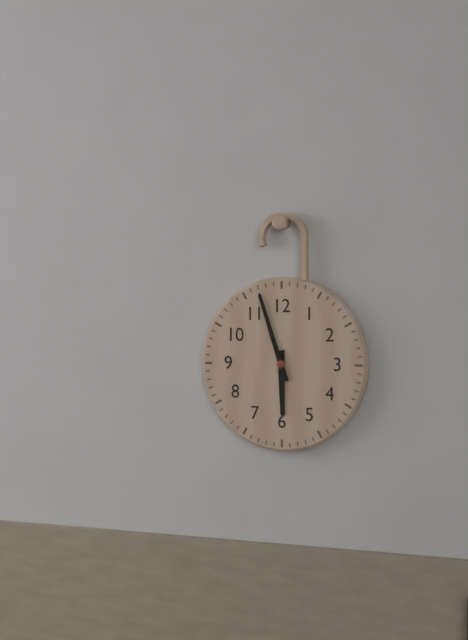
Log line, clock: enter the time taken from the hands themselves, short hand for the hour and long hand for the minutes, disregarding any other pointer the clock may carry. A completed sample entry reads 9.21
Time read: 5.57
